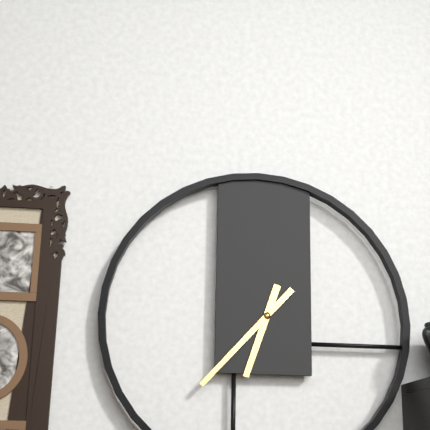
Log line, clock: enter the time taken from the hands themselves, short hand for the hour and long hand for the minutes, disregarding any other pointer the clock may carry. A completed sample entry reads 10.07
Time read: 6.37
